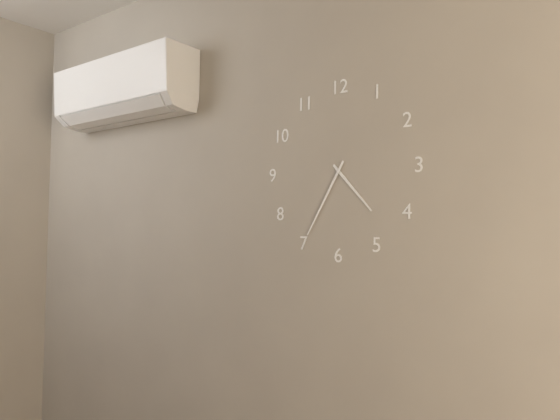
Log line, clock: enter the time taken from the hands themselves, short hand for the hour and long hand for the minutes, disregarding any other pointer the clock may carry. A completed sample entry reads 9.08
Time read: 4.35
